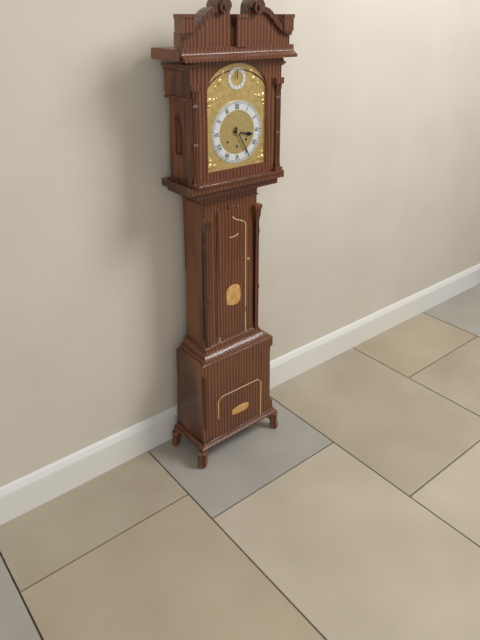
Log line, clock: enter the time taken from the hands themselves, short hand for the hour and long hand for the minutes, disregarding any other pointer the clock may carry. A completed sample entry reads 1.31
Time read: 3.25
